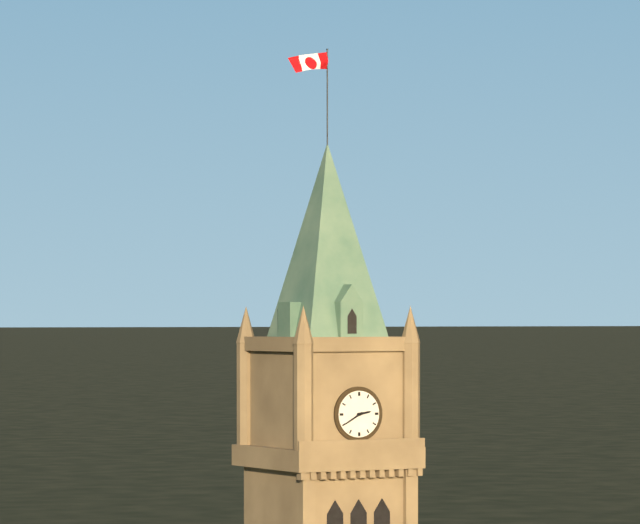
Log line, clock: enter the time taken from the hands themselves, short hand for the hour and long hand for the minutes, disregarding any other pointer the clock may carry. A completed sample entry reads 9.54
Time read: 2.40
